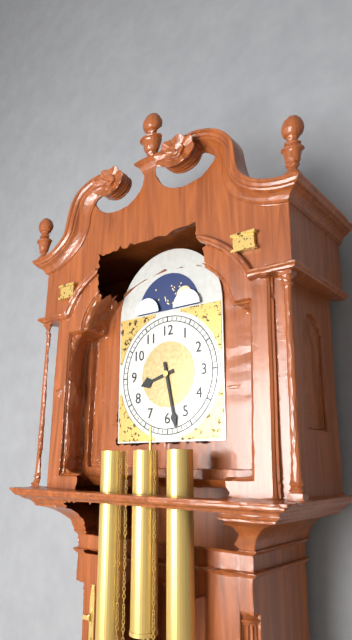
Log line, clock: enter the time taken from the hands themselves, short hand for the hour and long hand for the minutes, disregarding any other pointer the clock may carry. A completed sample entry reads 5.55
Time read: 8.28
